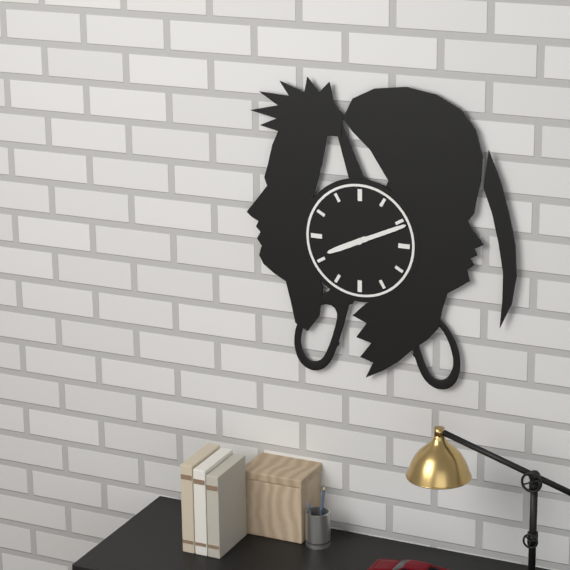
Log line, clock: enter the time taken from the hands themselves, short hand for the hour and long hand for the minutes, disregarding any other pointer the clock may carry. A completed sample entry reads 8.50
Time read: 8.11
